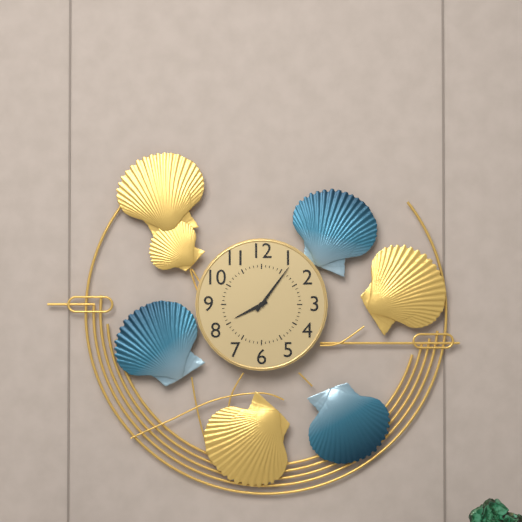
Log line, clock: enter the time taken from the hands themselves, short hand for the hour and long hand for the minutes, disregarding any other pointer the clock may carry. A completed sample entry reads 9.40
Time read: 8.06
